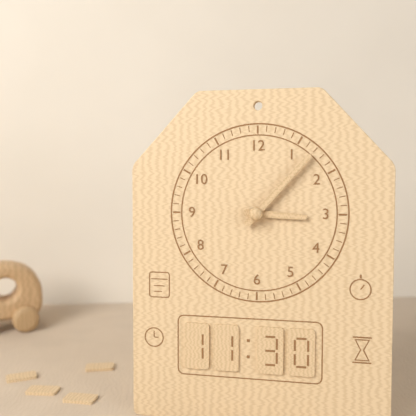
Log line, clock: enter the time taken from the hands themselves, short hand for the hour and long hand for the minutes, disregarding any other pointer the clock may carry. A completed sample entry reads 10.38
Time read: 3.07
